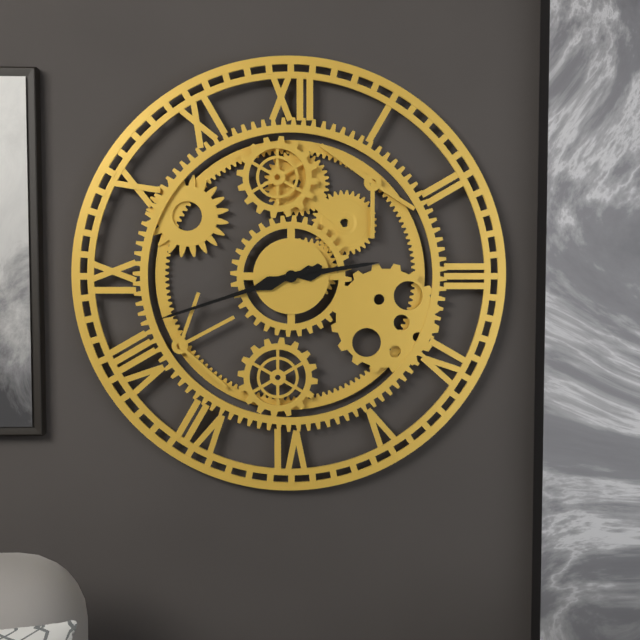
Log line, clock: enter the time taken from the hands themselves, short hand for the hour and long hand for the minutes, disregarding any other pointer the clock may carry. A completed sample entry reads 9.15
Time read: 2.42
